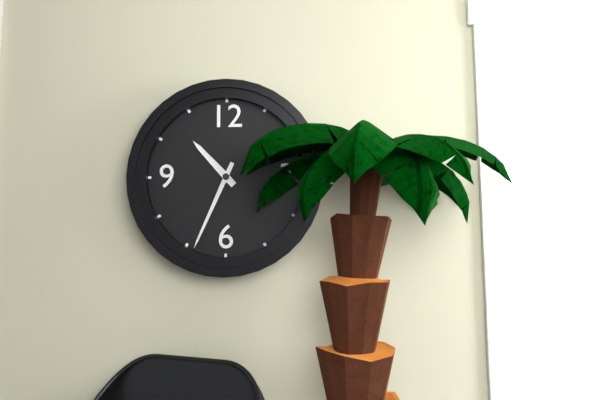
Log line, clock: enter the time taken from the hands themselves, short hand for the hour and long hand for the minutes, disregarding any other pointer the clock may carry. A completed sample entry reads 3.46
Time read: 10.34
